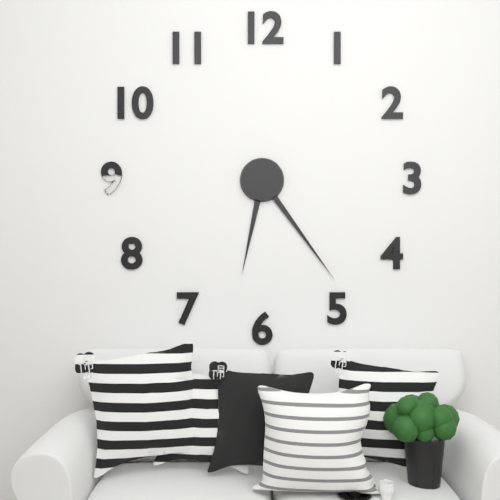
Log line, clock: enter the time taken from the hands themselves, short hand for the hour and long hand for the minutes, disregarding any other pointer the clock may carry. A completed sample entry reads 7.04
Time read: 6.24
